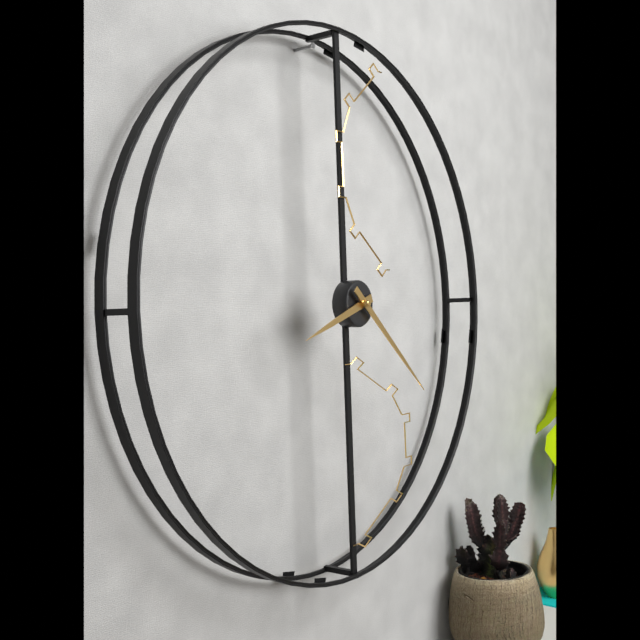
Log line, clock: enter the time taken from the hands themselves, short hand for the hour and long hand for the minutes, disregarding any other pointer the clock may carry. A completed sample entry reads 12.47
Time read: 8.22
